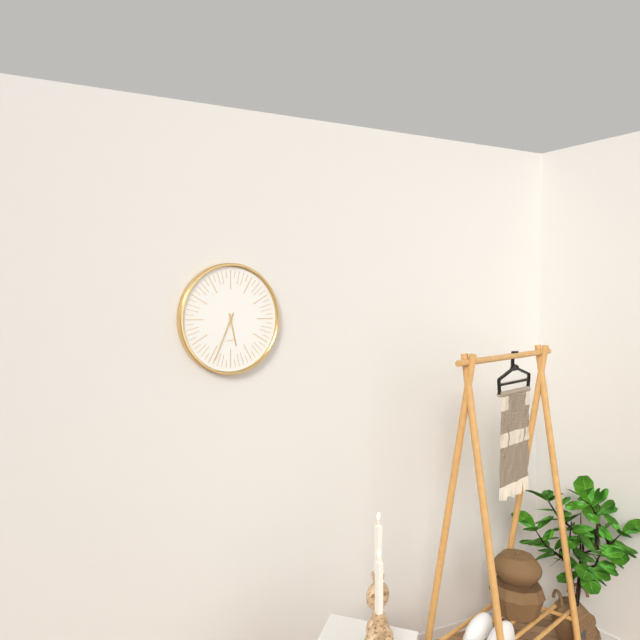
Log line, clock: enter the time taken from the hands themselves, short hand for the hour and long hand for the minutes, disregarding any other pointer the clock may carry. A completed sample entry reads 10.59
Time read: 5.34
